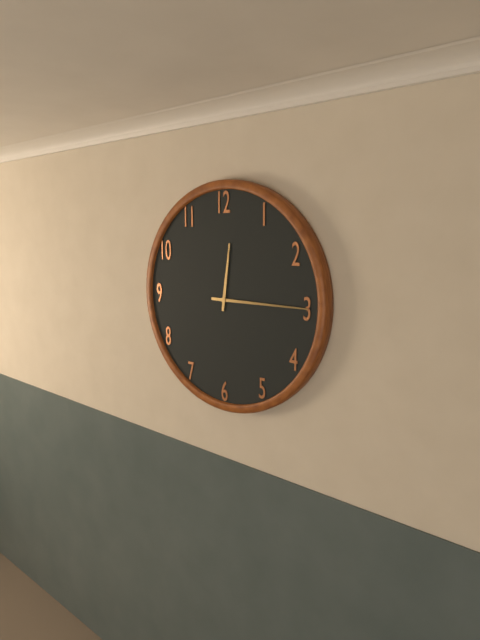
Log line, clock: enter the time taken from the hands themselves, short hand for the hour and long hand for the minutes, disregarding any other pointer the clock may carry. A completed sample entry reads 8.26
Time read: 12.15
